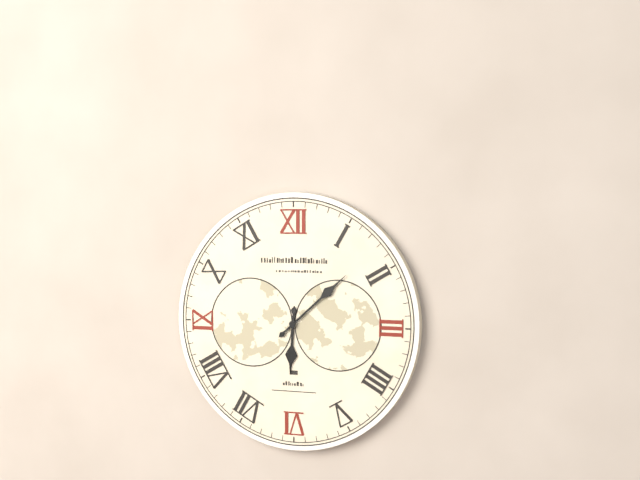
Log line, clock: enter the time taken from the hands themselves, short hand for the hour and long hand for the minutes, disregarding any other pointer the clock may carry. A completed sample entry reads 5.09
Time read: 6.08
